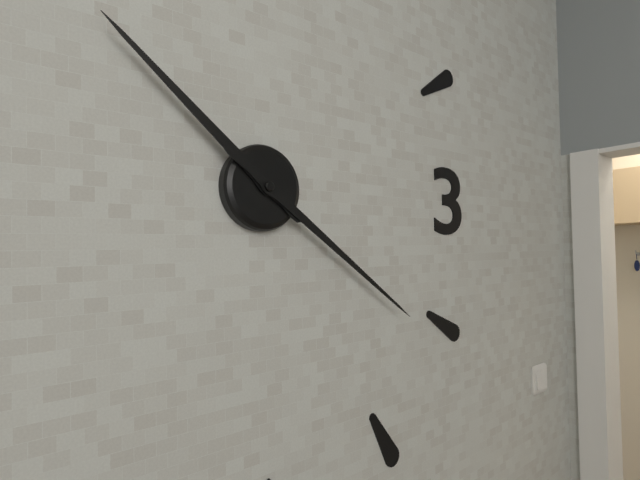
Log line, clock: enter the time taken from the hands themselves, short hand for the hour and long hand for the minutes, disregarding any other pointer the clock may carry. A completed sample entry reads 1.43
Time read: 10.21
